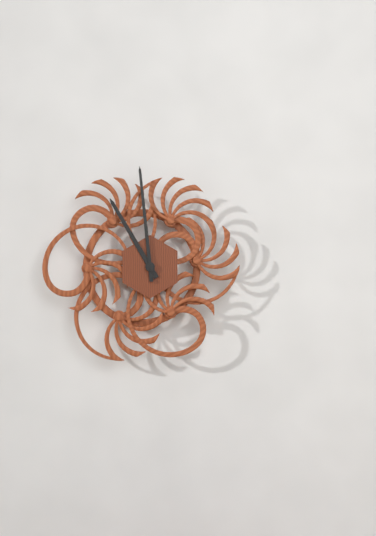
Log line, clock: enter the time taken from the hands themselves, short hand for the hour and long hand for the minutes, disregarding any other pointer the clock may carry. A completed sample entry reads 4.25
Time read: 10.59
